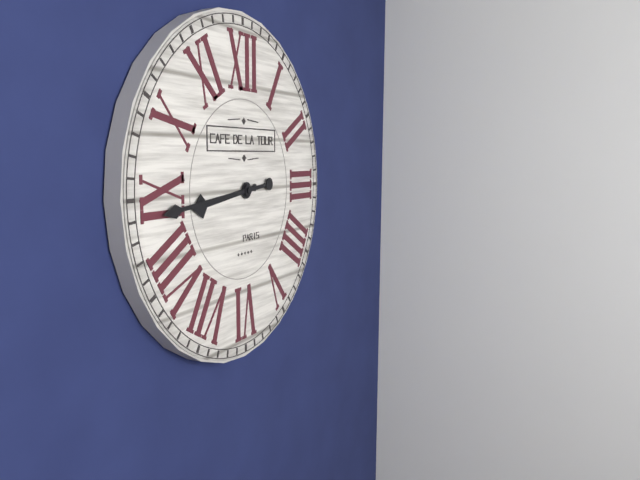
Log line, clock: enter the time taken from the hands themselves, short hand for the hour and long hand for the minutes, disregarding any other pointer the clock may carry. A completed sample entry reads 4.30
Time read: 8.44
